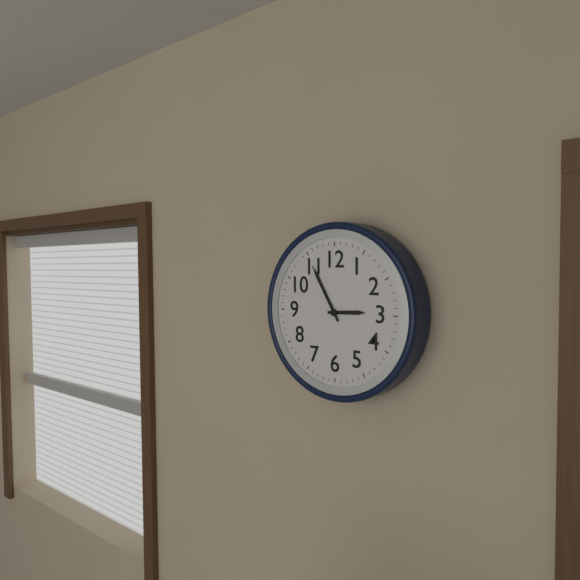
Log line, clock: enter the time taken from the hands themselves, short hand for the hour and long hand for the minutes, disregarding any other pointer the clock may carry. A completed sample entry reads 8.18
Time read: 2.55
